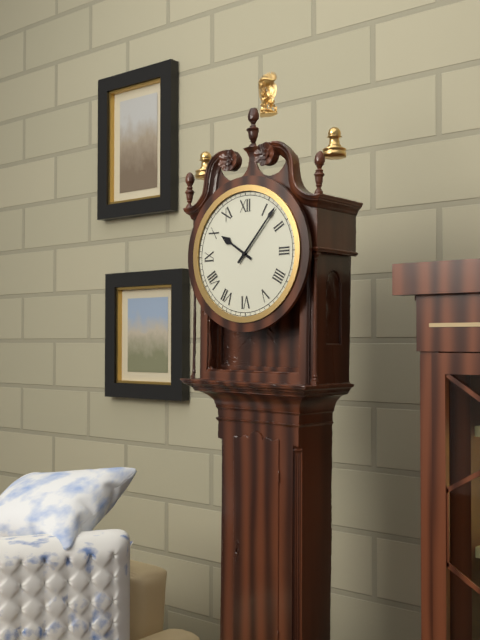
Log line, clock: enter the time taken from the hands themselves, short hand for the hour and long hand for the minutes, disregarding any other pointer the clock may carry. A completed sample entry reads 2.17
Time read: 10.07
